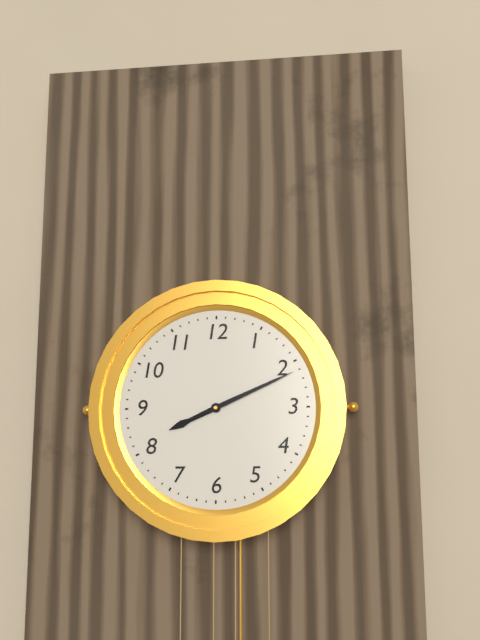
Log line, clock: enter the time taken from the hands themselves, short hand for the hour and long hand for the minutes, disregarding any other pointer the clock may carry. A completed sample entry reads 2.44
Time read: 8.11
